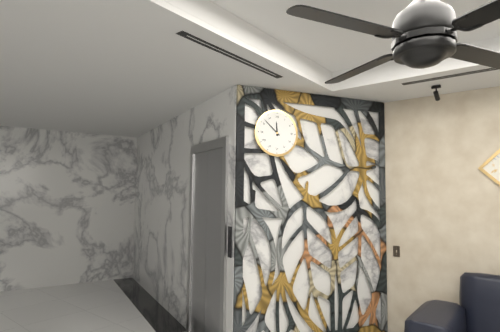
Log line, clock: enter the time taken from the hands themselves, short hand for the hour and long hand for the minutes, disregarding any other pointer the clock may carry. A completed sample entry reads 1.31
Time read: 11.52
